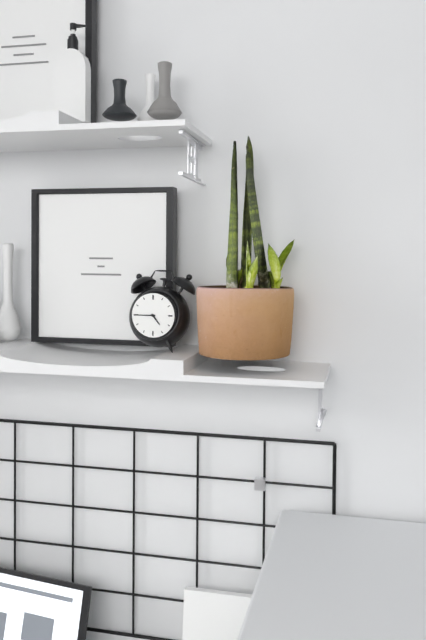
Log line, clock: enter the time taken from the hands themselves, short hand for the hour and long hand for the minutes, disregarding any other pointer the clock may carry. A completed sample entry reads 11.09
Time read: 4.45
